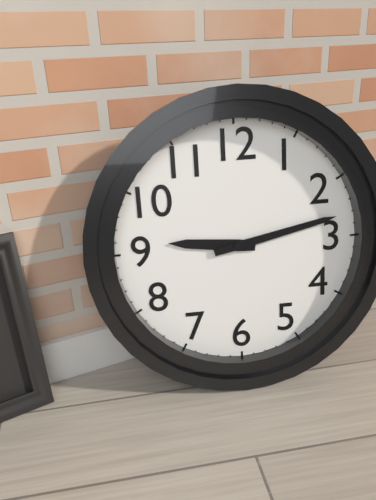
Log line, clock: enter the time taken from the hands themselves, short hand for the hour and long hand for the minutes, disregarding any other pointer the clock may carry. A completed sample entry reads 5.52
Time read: 9.13
